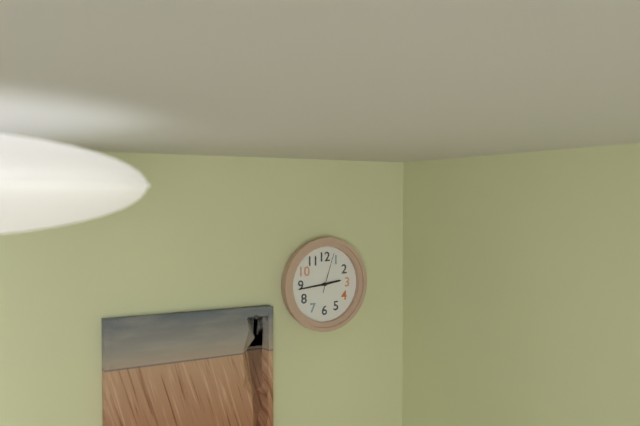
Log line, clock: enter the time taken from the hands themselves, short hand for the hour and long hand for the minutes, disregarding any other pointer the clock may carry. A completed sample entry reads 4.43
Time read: 2.44
